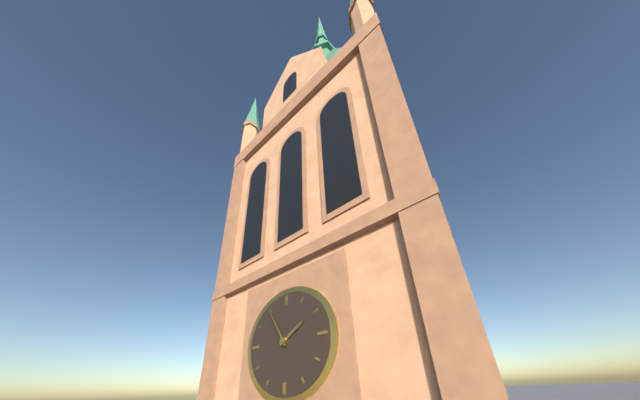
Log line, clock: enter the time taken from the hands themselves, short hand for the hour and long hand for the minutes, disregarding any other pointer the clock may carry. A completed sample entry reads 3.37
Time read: 1.55
